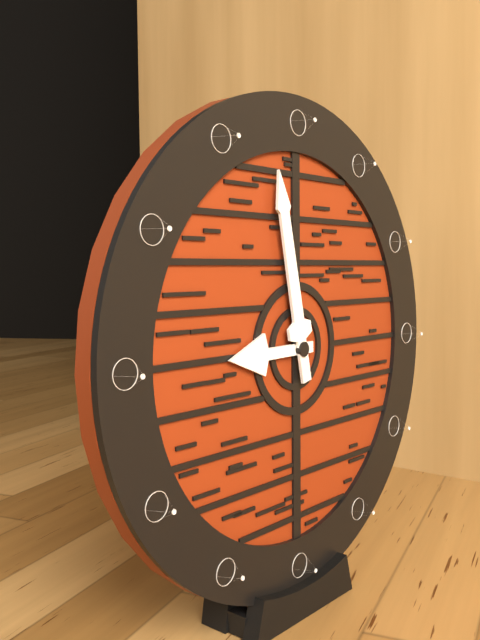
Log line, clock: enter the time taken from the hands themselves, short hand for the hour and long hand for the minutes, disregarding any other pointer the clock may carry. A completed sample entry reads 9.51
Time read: 8.58
